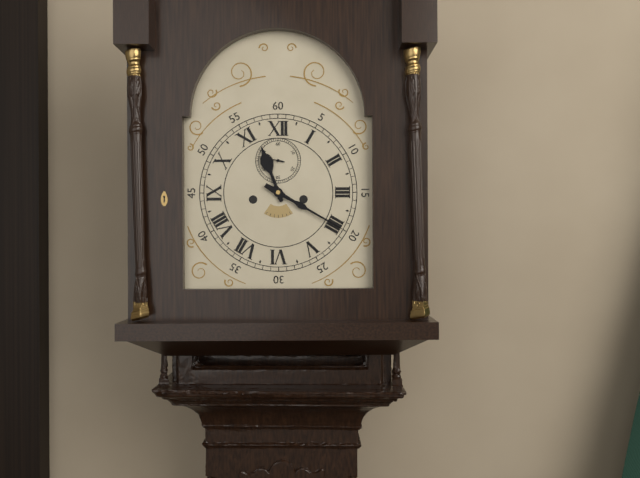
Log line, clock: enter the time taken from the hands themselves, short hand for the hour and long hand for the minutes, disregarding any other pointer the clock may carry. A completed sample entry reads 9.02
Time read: 11.20
